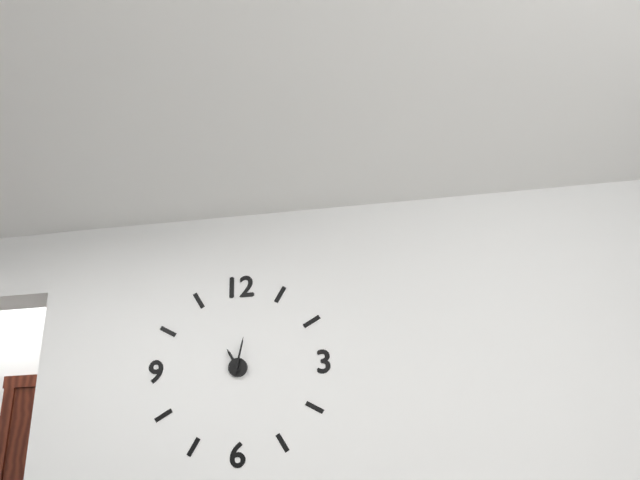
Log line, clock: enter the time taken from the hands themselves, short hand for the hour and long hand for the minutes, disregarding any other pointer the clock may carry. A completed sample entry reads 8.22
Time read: 11.02
